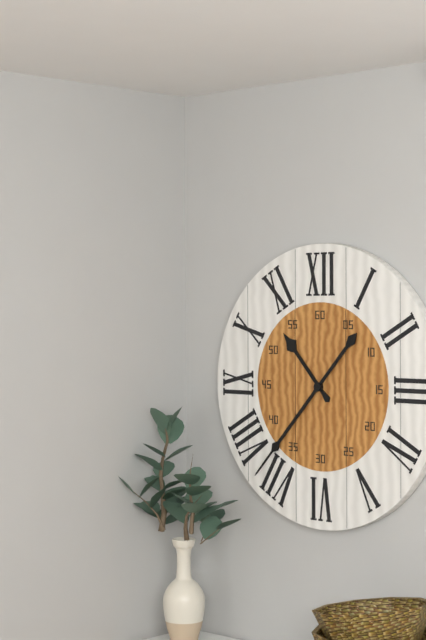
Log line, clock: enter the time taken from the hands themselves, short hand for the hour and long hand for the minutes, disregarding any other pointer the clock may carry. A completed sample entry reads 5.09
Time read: 10.37
